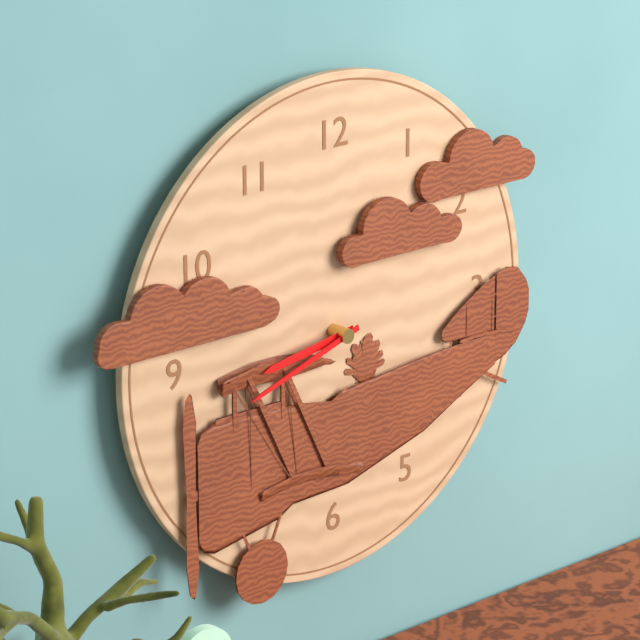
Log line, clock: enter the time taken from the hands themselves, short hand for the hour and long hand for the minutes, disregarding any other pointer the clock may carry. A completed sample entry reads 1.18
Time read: 8.42
